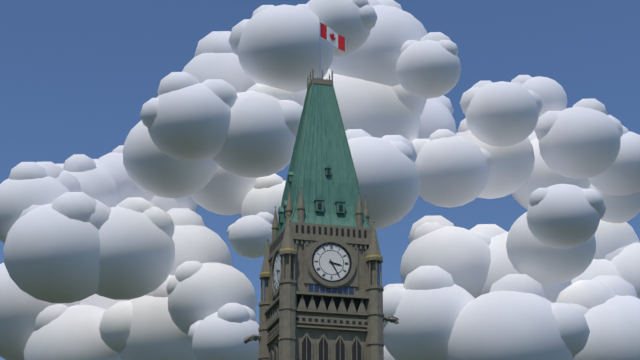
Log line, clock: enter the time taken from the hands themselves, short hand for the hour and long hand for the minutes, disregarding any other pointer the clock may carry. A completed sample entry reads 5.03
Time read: 3.25
